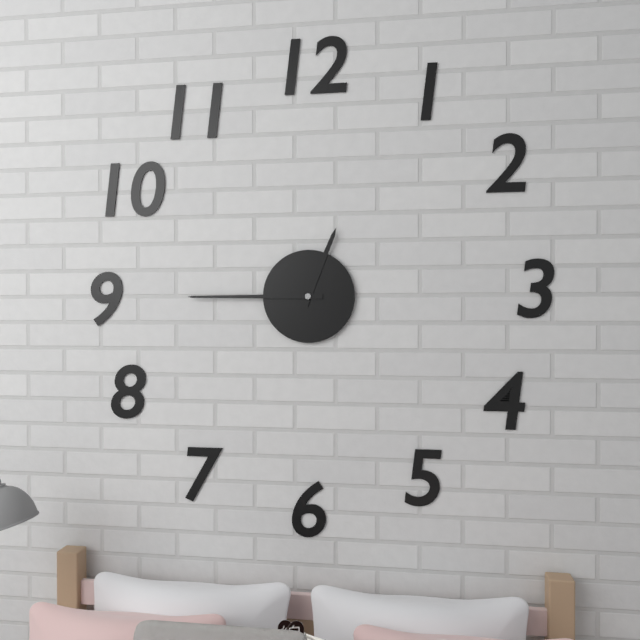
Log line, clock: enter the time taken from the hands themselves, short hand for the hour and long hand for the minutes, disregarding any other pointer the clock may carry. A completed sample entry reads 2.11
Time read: 12.45
